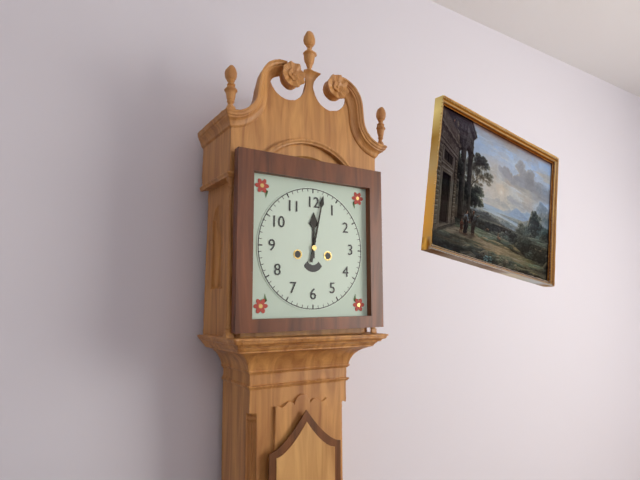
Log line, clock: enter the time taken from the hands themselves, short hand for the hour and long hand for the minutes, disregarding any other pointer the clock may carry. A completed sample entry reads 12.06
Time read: 12.02
